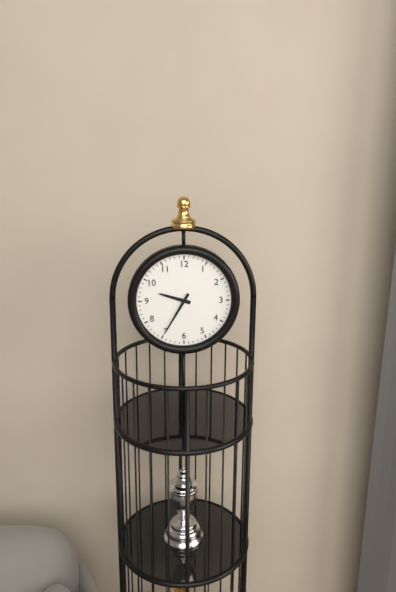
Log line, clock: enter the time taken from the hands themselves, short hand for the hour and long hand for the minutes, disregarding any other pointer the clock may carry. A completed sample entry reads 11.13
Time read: 9.35
